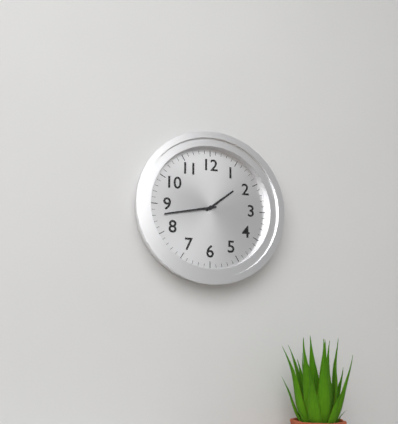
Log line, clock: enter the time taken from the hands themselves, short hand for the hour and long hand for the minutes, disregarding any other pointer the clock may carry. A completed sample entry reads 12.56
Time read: 1.43
